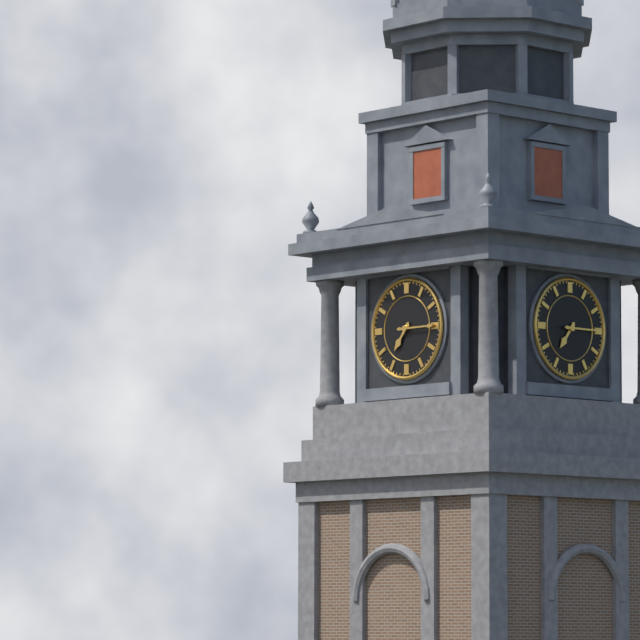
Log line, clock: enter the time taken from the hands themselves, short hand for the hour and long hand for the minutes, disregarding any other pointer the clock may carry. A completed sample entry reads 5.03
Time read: 7.15
